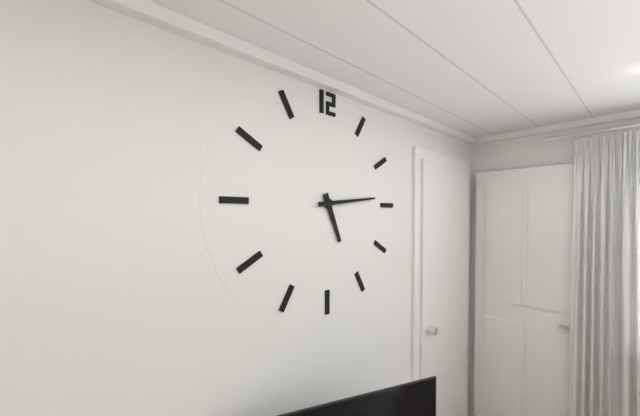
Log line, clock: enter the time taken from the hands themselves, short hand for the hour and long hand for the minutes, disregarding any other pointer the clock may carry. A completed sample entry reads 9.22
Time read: 5.14
